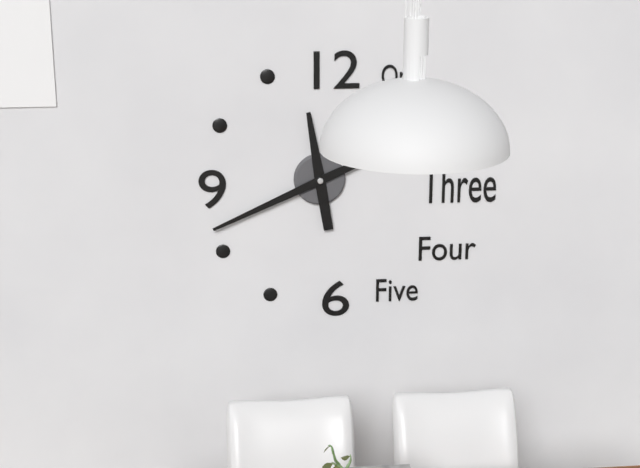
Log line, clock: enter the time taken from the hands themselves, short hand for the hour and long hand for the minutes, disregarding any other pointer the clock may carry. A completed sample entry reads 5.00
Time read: 11.41
